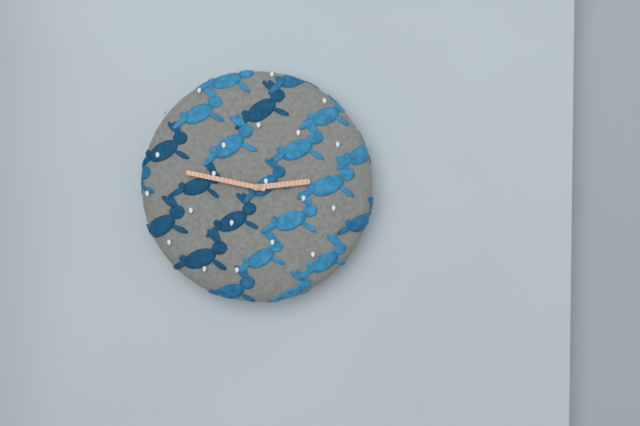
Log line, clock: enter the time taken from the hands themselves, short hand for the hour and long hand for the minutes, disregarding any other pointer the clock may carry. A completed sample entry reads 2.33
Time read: 2.47
